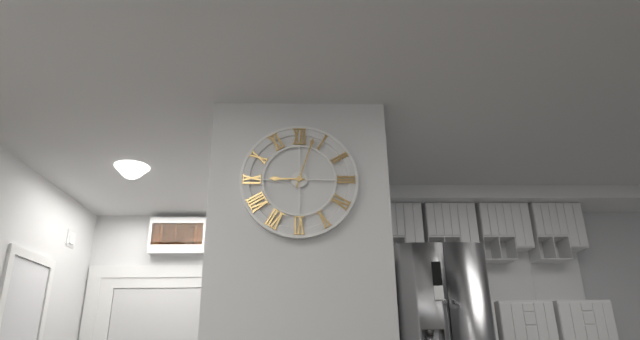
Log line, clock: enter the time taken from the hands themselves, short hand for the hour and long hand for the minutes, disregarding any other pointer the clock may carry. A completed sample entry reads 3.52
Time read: 9.03
